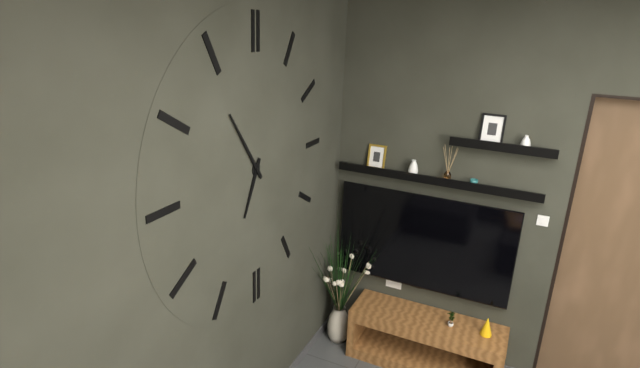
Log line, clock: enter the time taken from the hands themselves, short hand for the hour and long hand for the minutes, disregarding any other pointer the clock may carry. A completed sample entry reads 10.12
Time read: 6.54
